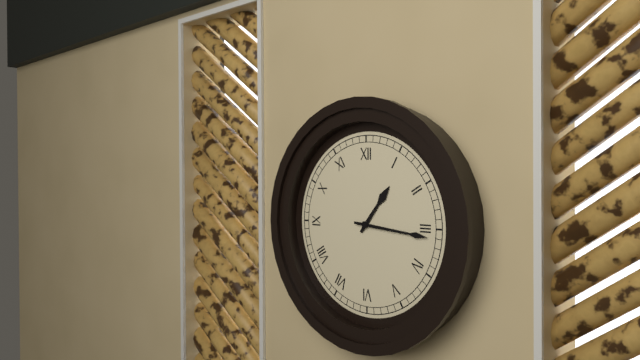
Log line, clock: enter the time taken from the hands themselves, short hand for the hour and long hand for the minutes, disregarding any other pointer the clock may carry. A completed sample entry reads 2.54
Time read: 1.16
